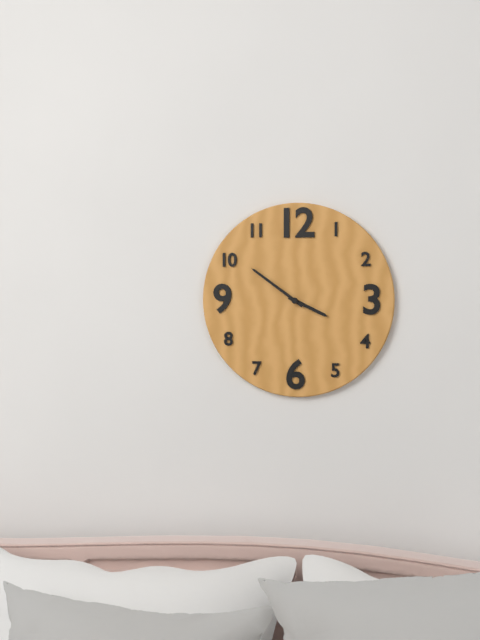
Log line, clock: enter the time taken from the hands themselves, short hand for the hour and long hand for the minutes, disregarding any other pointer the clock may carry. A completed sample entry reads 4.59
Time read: 3.51
